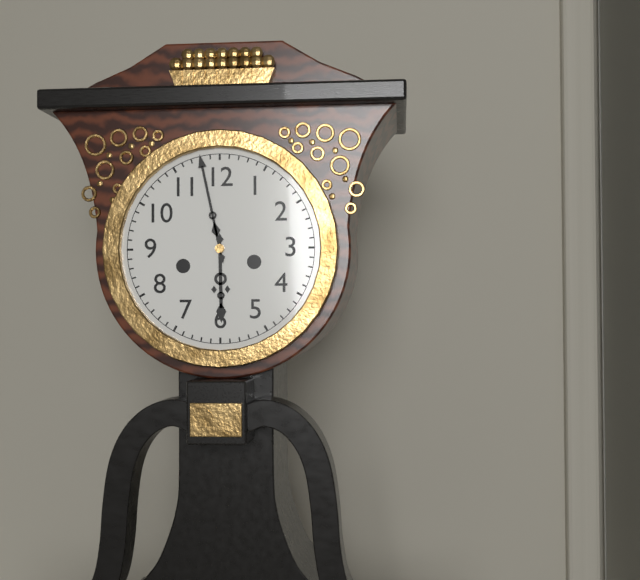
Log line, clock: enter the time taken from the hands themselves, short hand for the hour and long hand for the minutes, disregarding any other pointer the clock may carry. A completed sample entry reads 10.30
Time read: 5.58
